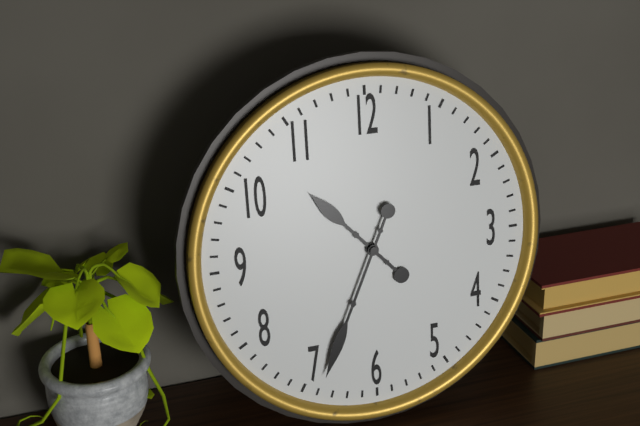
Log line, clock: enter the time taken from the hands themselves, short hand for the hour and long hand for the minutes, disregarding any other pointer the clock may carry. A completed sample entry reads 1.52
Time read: 10.34
